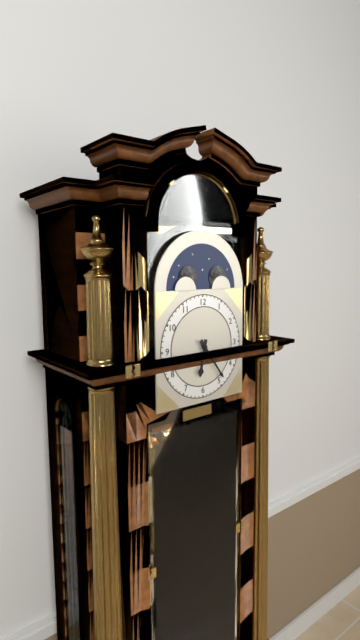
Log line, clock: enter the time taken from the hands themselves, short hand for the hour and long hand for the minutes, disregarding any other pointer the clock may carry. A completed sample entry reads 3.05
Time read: 6.24
